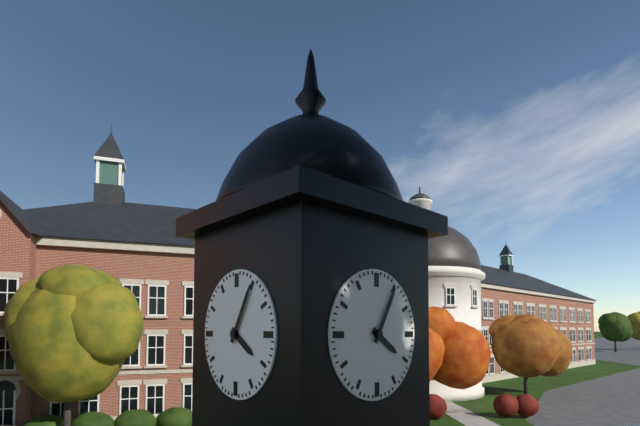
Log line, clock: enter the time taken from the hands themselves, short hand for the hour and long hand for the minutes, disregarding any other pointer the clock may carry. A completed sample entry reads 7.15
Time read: 4.05
